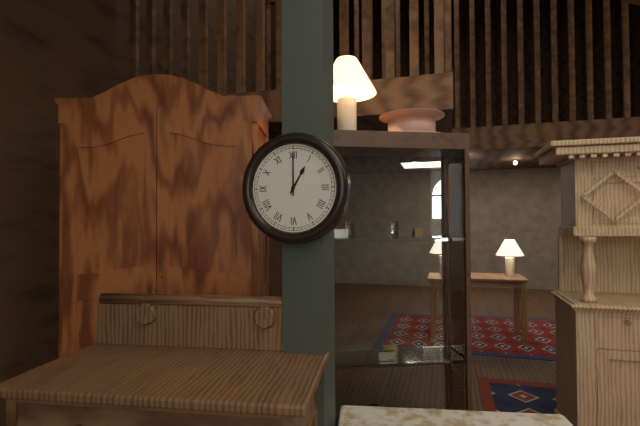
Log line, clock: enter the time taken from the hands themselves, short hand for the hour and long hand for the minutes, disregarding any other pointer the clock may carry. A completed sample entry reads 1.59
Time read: 1.00
